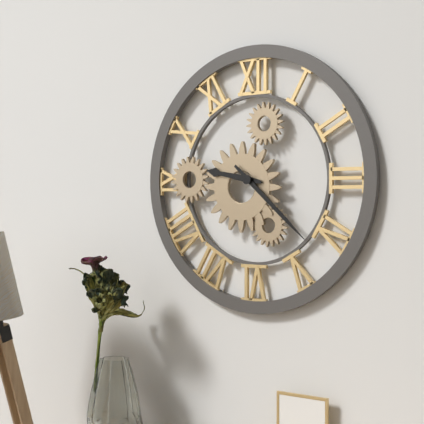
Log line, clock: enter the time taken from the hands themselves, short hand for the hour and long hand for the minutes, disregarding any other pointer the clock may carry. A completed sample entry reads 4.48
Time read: 9.22
